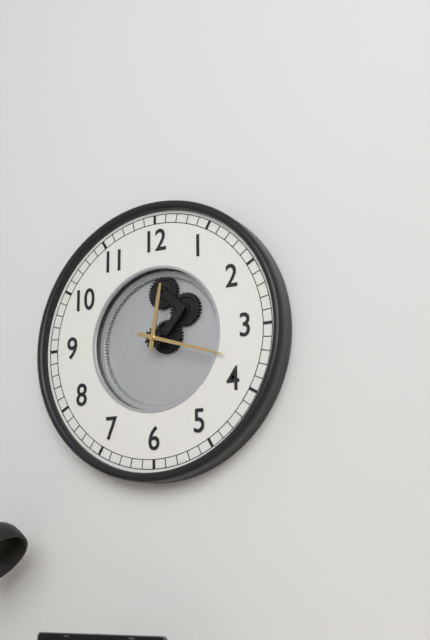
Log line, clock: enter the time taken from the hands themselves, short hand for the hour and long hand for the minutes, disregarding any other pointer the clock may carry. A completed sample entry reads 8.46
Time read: 12.18
